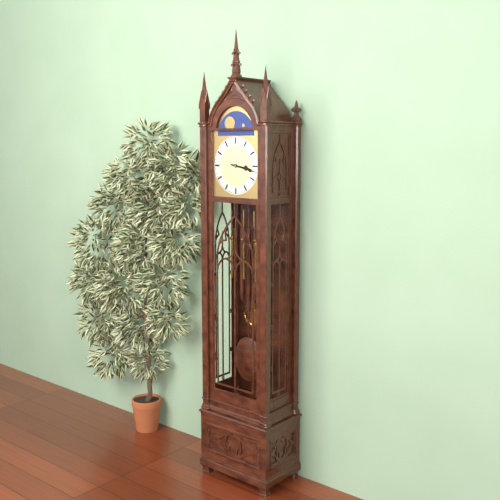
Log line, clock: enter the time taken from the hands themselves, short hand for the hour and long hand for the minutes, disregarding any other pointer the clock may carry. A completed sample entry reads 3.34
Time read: 3.17
